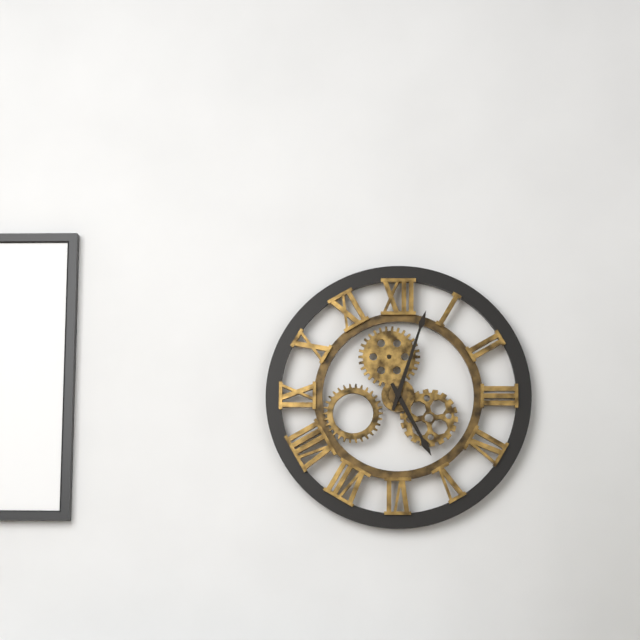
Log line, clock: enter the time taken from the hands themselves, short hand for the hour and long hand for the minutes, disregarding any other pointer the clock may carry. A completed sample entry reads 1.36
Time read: 5.03
